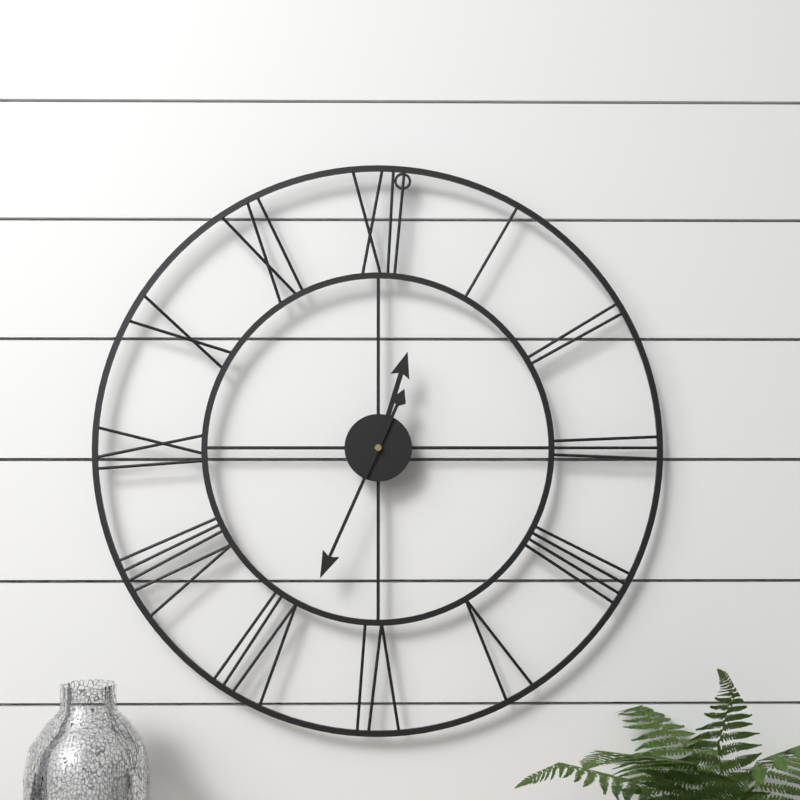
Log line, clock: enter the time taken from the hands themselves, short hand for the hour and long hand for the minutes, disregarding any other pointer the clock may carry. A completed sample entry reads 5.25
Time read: 12.34
